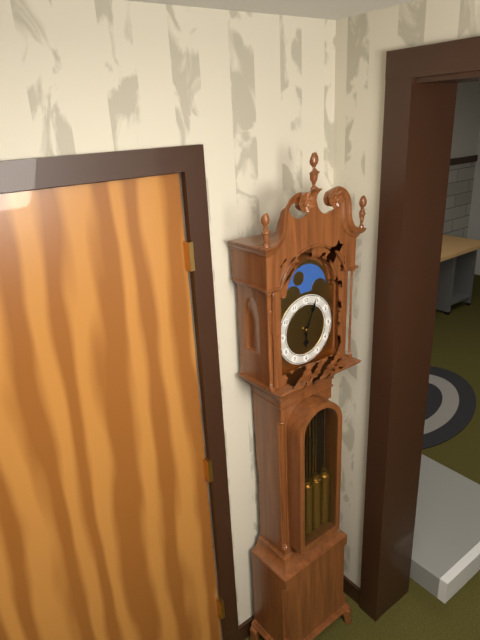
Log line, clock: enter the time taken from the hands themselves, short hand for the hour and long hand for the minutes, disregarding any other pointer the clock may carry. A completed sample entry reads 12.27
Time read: 6.04
